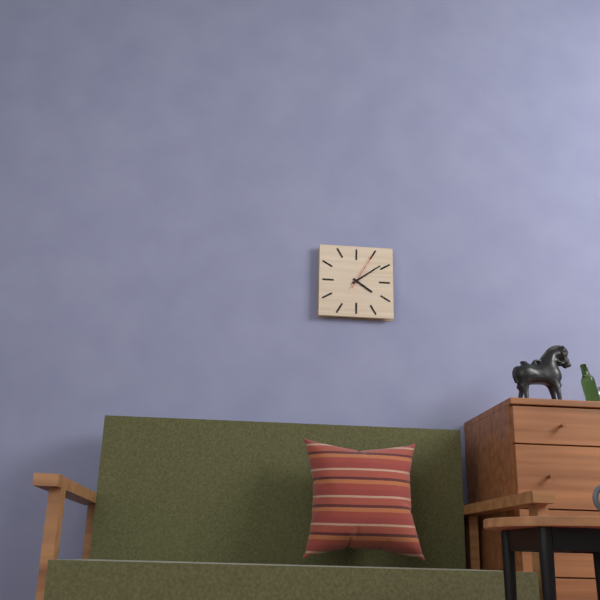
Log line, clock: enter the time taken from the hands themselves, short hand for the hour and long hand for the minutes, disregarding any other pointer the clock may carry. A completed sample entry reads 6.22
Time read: 4.09
